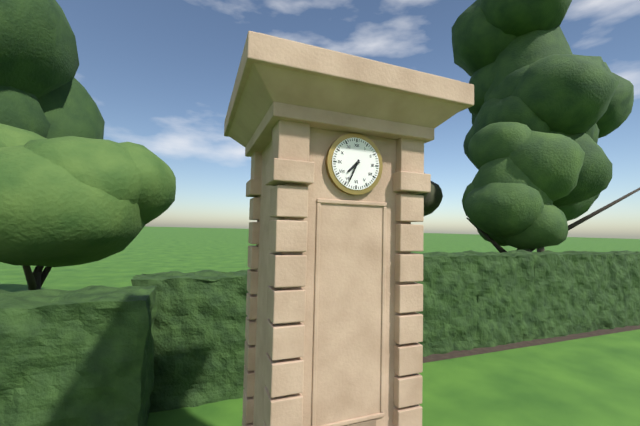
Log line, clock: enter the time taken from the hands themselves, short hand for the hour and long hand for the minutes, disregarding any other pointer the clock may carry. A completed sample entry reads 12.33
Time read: 7.34
